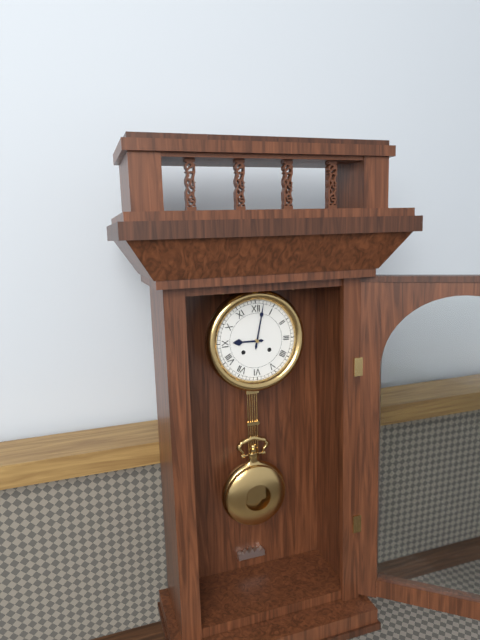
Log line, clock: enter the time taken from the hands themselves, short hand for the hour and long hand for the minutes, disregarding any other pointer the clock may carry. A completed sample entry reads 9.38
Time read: 9.02
